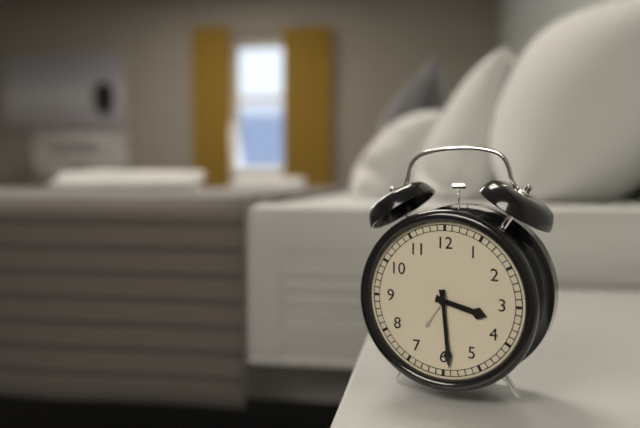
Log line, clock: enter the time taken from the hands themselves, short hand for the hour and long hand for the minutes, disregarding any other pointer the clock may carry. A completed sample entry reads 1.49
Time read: 3.29
